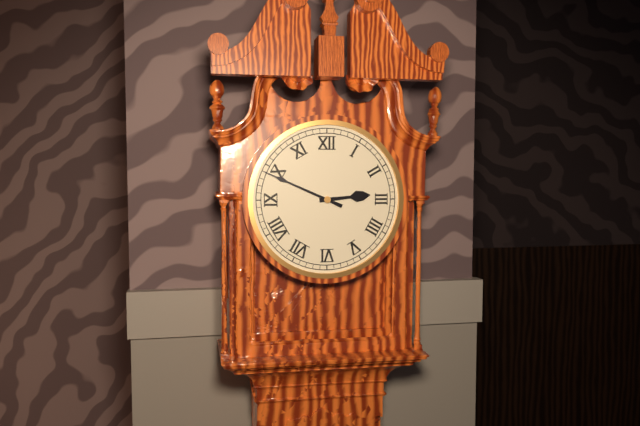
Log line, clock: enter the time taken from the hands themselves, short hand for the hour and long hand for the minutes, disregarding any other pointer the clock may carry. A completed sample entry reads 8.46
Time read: 2.49
